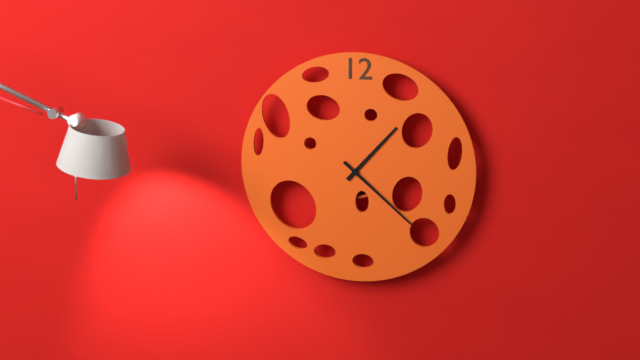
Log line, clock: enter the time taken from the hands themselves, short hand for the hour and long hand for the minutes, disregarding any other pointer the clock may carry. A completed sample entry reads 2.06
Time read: 1.22
